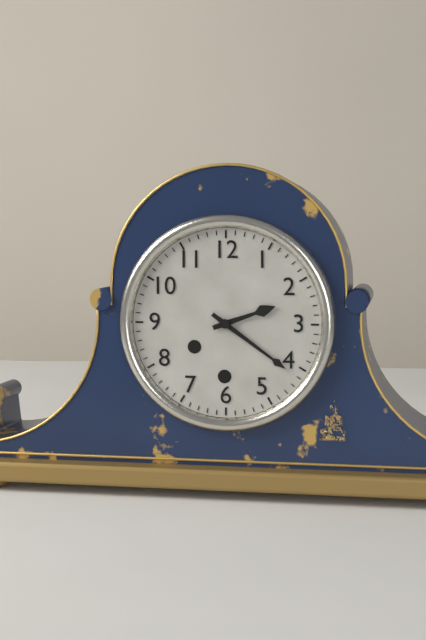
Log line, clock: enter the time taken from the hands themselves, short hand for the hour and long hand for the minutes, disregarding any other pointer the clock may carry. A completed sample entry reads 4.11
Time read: 2.21
